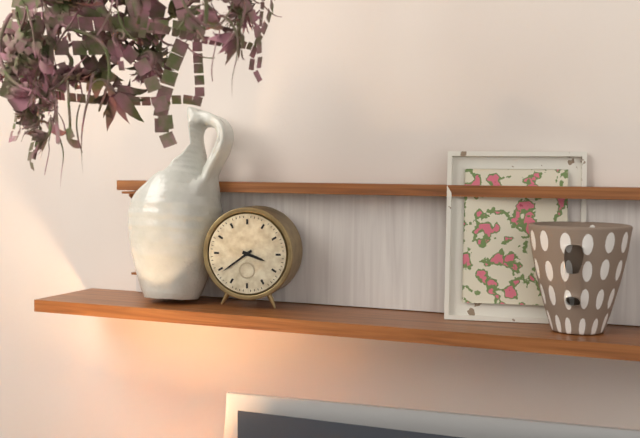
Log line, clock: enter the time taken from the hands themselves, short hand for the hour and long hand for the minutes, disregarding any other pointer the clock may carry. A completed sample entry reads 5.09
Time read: 3.39
